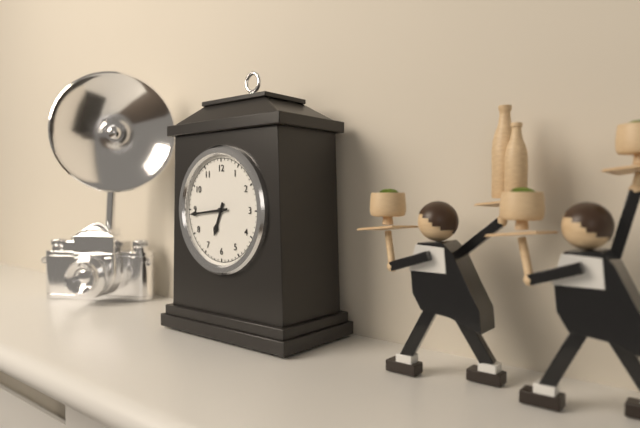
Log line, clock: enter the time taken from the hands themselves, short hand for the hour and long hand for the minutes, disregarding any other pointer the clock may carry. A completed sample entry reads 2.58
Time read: 6.44
